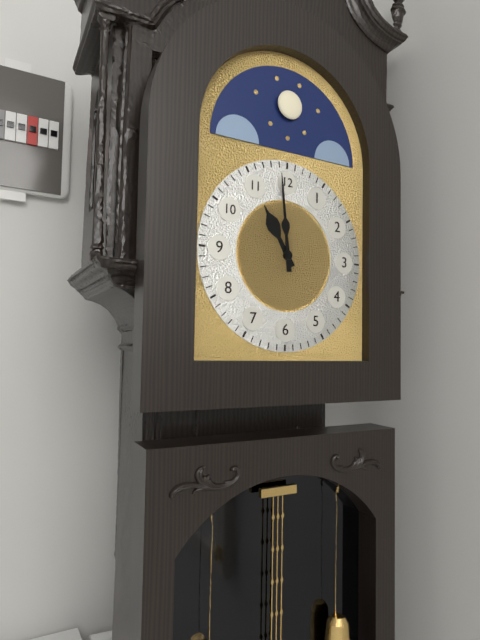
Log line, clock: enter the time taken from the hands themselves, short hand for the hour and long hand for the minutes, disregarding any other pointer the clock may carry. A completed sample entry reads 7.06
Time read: 10.59
